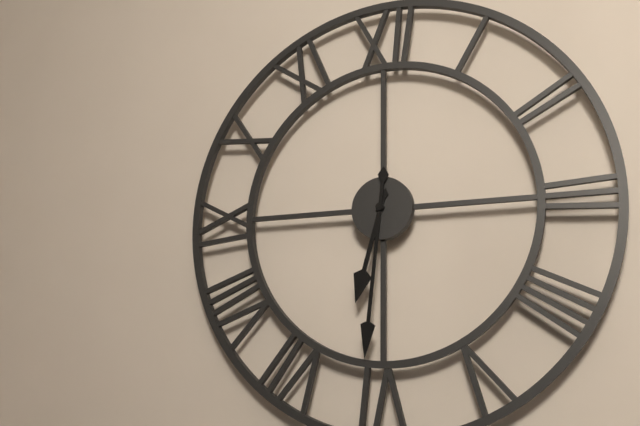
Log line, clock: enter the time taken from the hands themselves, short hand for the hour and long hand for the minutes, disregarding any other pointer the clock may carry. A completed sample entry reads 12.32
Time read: 6.31
